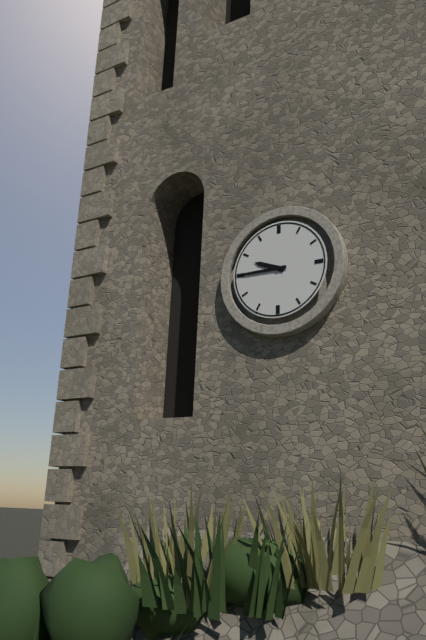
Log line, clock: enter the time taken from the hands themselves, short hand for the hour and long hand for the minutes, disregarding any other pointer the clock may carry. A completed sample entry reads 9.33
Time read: 9.45
